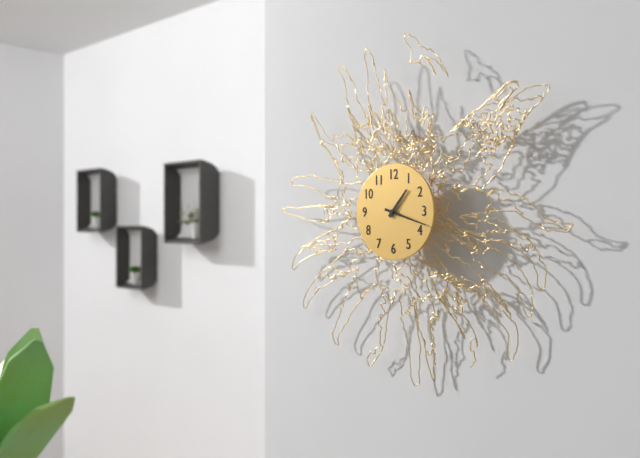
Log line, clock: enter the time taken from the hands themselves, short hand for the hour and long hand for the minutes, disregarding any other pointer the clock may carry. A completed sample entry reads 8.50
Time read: 1.18
